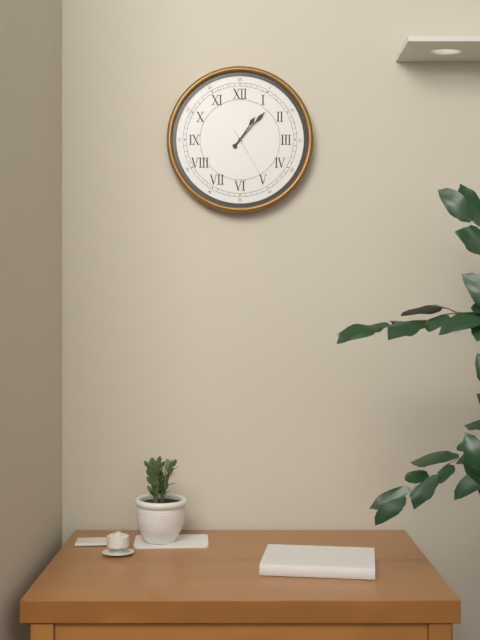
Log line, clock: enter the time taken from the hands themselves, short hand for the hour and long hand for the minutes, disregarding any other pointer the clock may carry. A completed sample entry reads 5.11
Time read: 1.07
